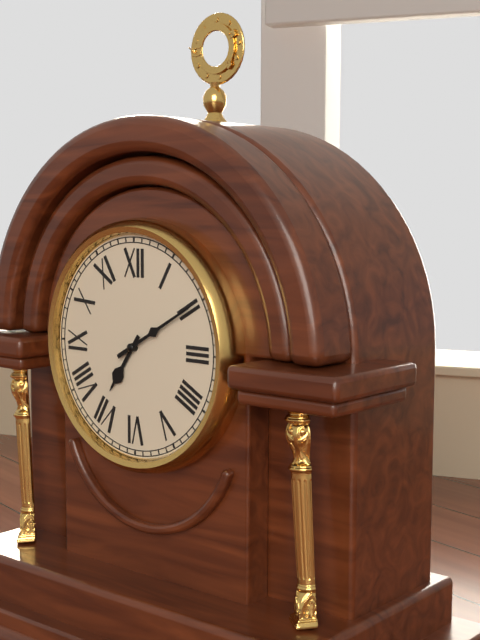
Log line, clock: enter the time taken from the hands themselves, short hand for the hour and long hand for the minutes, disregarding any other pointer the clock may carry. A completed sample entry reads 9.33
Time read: 7.10
